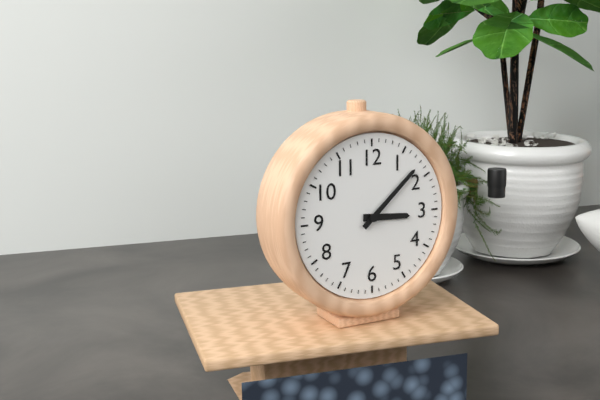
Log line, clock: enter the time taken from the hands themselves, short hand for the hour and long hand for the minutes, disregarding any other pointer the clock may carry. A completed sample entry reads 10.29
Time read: 3.08
